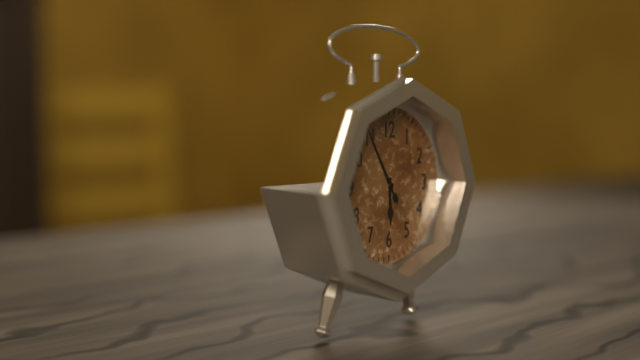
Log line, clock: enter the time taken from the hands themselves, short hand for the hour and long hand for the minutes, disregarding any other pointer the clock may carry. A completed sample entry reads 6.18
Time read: 5.55
